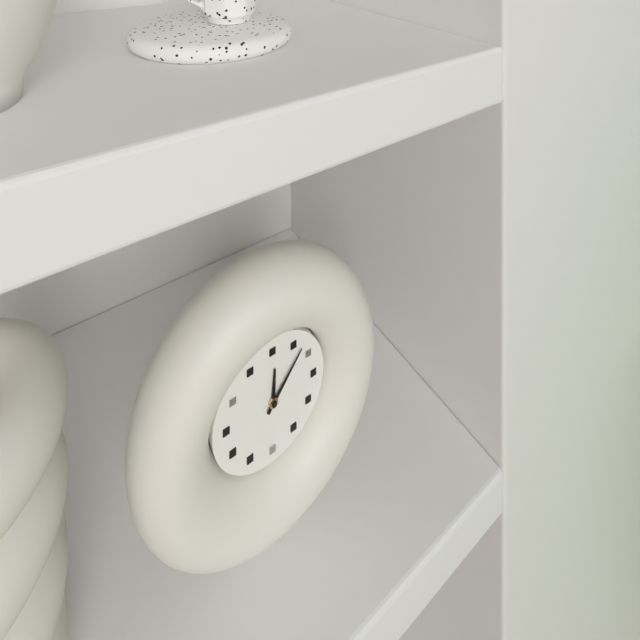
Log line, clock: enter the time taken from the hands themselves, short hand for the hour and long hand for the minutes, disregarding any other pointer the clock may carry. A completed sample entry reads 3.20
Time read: 12.07
